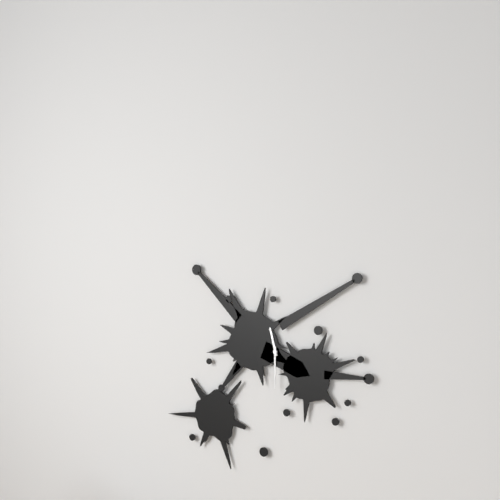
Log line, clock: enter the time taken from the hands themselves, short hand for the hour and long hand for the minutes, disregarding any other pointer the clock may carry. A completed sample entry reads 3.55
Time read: 11.30
